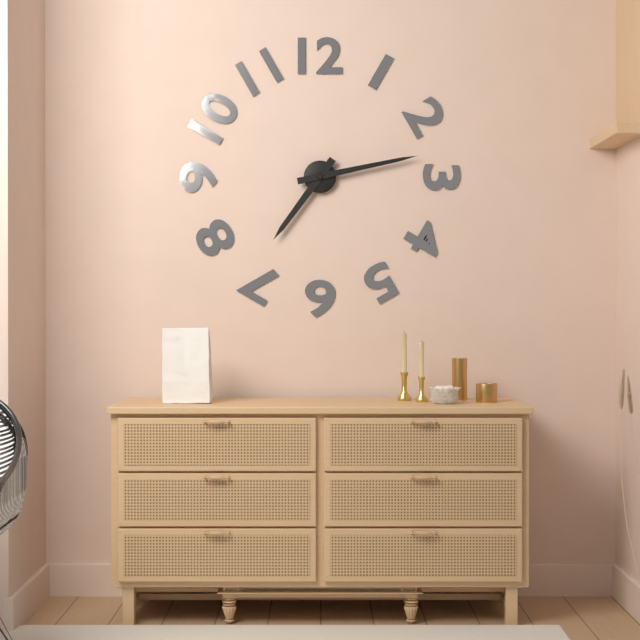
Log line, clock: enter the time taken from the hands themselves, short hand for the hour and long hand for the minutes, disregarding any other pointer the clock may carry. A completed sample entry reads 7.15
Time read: 7.13
